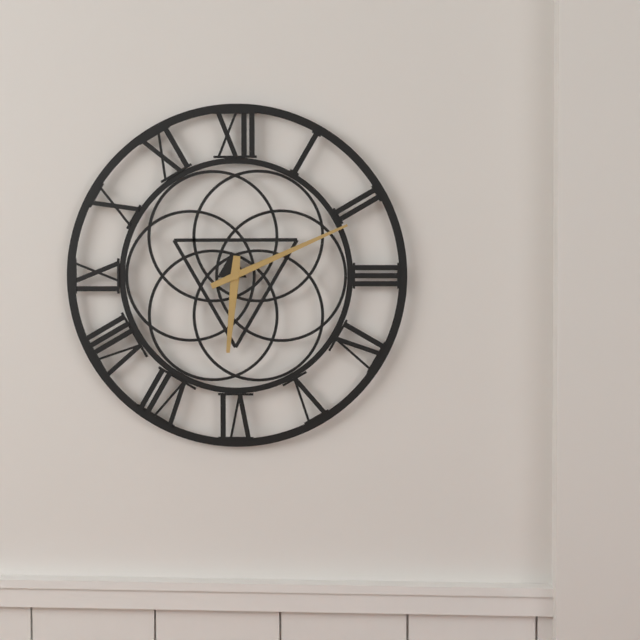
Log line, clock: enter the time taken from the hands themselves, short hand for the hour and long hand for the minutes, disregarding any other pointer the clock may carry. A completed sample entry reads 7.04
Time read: 6.11
